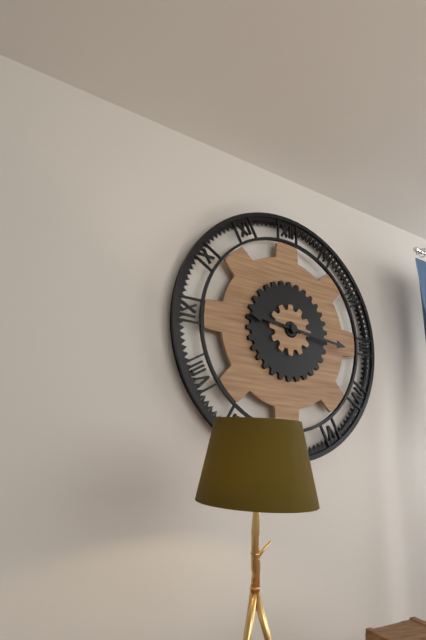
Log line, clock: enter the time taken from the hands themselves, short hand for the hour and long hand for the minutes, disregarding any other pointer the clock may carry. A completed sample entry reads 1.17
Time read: 9.16
